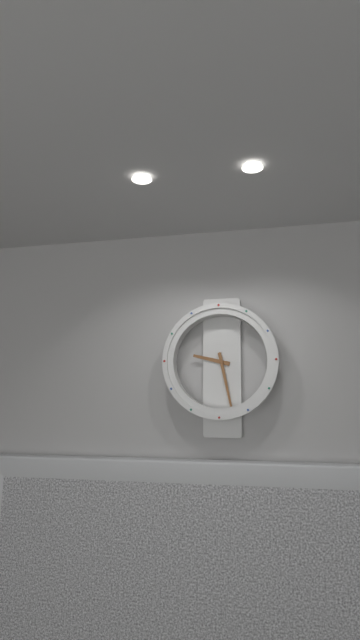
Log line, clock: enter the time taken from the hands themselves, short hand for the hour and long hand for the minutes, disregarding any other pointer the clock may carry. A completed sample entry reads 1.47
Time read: 9.28
